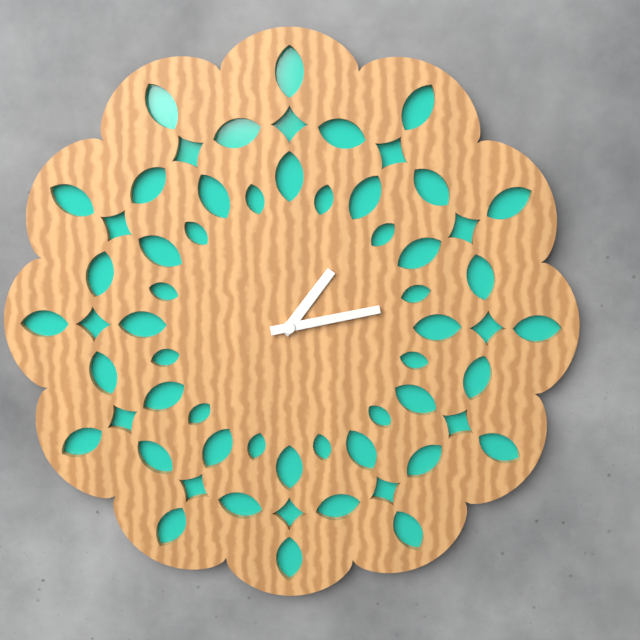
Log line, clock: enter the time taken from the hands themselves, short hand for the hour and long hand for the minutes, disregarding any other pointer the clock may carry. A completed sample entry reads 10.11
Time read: 1.13
